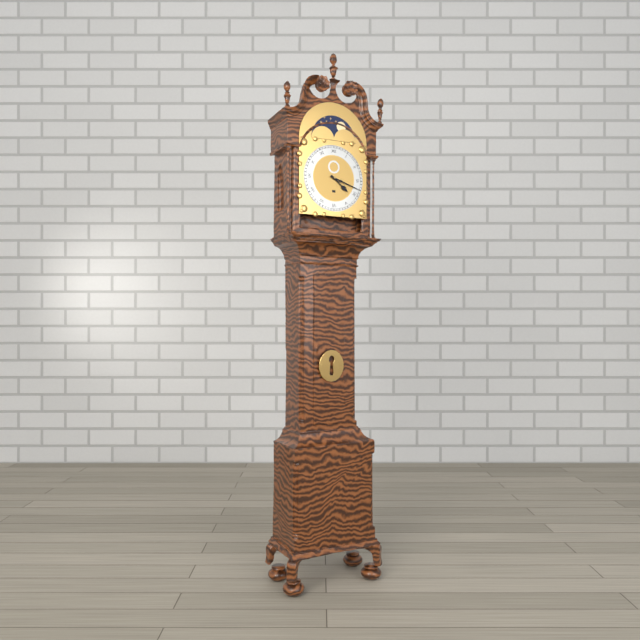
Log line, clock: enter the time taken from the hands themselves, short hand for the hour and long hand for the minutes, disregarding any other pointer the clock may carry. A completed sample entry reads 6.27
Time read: 4.18
